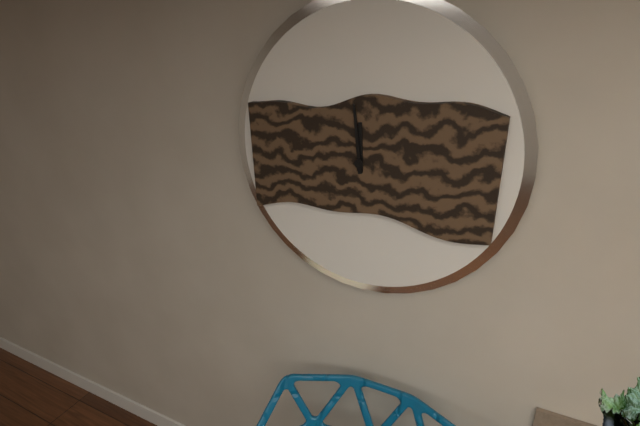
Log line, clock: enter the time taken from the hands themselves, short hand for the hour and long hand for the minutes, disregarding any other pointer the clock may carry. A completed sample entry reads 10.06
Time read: 11.59
